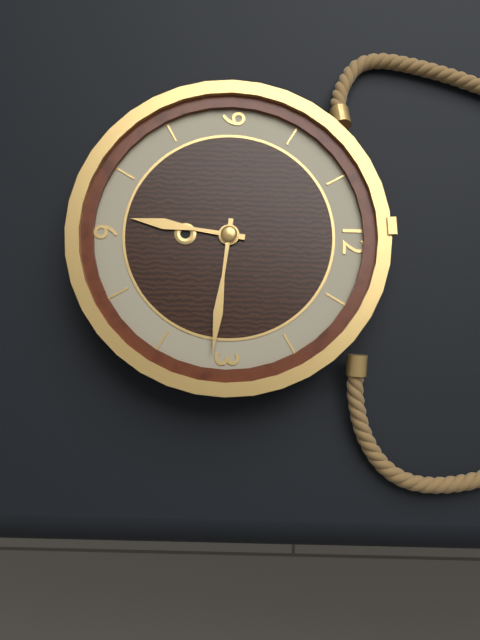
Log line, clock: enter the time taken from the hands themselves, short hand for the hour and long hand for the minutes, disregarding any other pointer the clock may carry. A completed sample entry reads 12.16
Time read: 6.16
